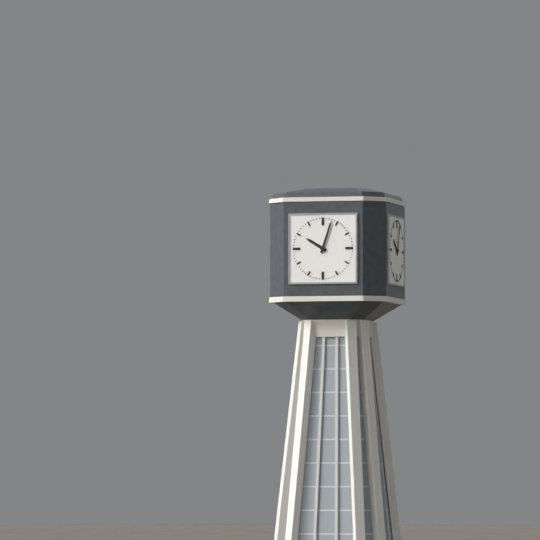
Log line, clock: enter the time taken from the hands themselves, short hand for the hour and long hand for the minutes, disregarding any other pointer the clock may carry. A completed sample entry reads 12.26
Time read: 10.03
